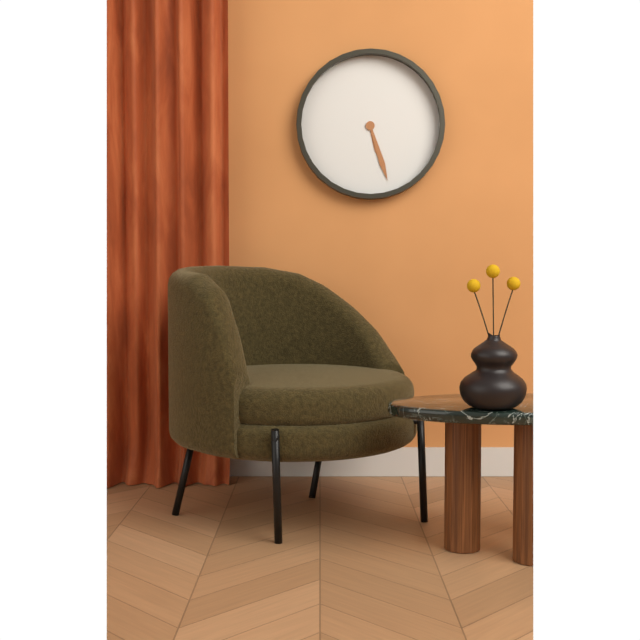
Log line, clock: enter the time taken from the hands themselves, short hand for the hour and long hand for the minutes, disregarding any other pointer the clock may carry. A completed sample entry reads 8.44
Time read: 5.27
